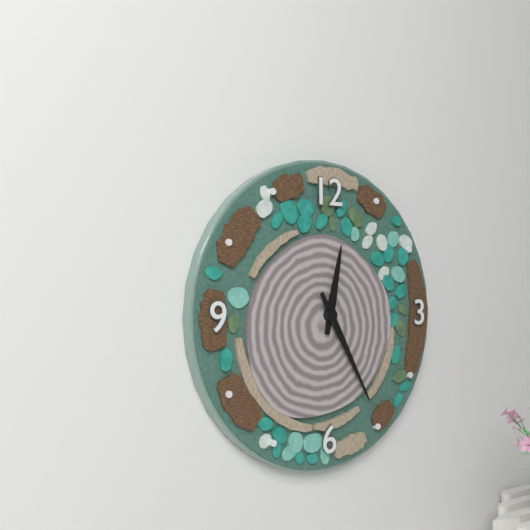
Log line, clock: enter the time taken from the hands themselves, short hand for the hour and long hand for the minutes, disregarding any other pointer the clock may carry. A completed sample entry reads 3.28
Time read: 12.25
